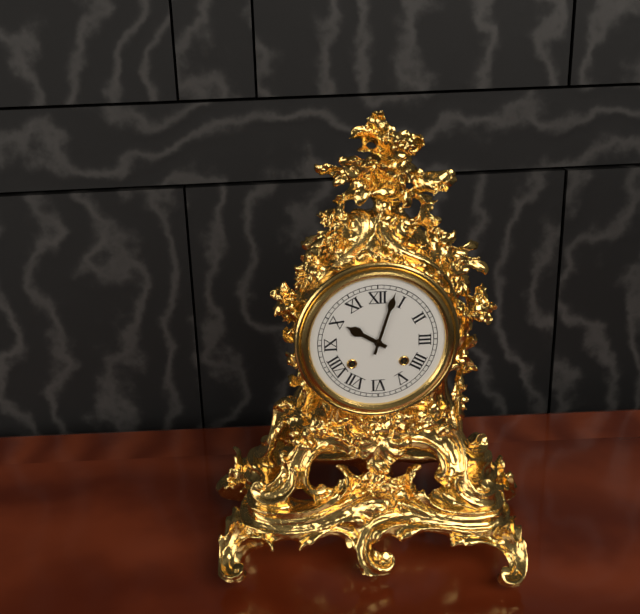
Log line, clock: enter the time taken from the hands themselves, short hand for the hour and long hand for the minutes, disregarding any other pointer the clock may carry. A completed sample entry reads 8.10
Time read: 10.03
